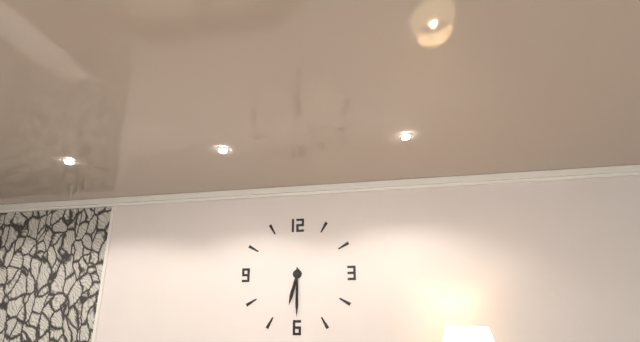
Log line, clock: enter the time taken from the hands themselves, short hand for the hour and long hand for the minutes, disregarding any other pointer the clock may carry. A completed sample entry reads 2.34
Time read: 6.30
